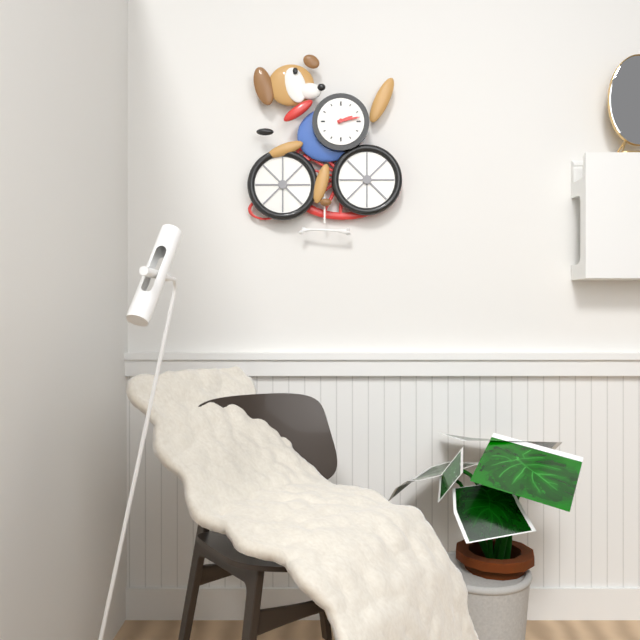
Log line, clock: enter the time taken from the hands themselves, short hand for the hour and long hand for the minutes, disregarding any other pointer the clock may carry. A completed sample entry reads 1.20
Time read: 2.13
